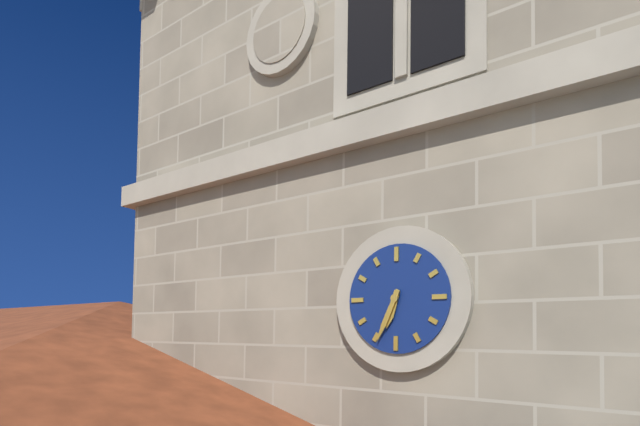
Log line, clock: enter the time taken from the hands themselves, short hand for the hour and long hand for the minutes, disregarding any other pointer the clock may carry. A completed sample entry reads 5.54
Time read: 6.34
